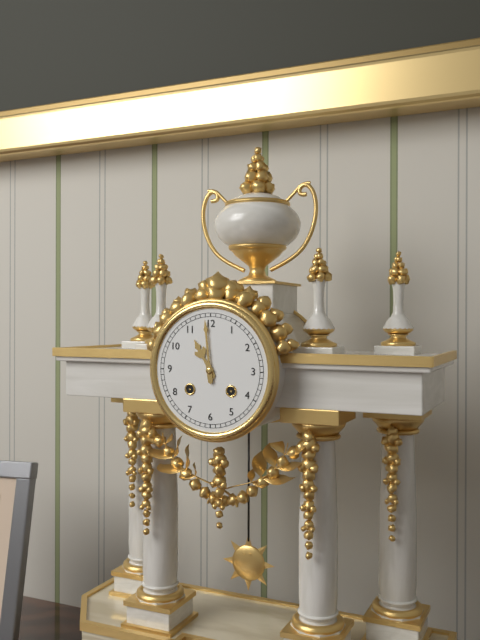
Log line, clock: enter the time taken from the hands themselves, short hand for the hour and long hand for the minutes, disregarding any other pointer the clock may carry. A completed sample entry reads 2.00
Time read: 10.59
